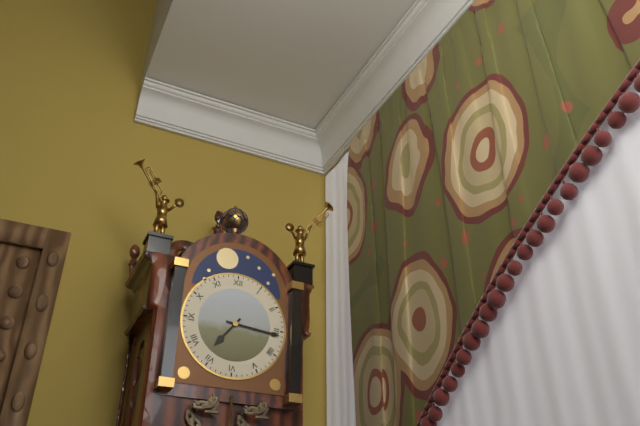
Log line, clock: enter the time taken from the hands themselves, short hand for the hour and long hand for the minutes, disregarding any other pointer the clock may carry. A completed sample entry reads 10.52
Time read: 7.16
